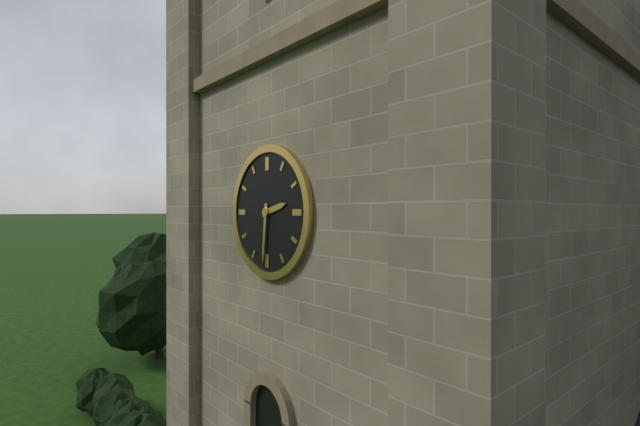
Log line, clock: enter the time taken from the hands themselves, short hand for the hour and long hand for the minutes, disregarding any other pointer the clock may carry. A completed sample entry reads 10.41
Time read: 2.31
